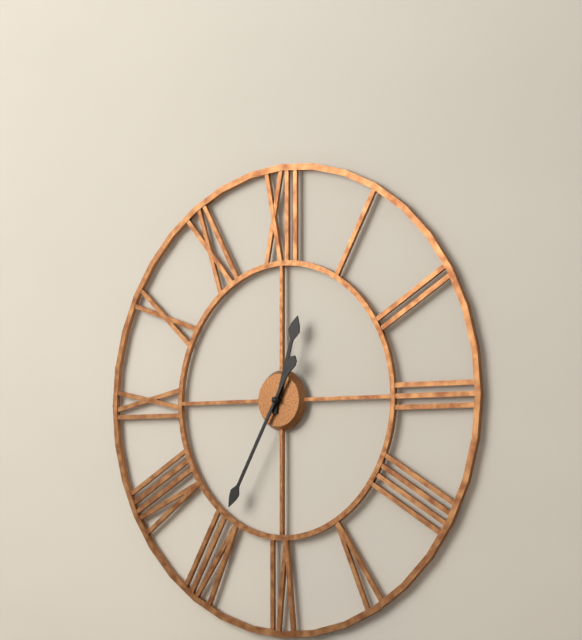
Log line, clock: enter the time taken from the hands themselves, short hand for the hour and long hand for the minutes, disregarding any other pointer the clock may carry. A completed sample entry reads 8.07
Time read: 12.35
